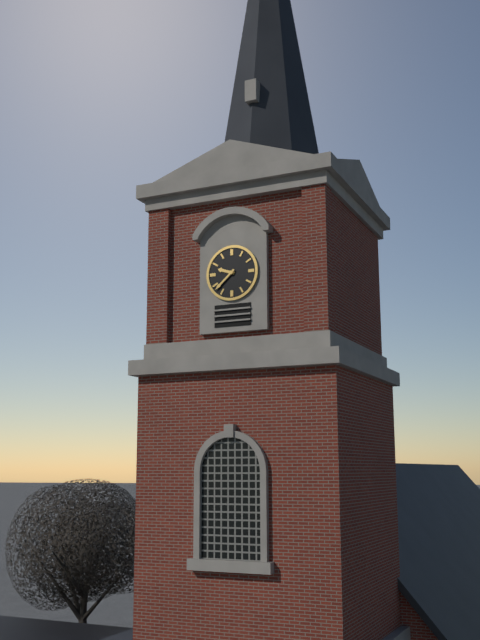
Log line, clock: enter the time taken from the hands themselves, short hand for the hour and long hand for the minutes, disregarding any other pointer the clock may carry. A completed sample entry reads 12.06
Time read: 9.38
